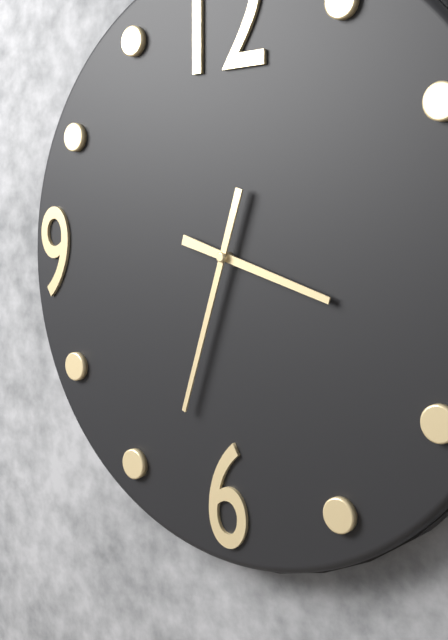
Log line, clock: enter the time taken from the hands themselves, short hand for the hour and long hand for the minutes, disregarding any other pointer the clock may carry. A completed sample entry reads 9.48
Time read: 3.33
